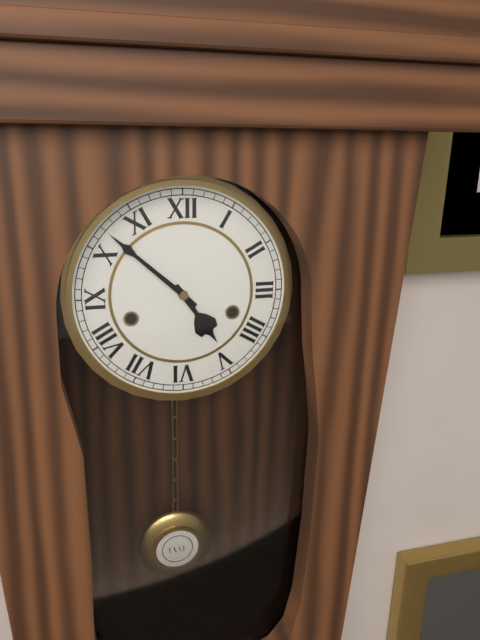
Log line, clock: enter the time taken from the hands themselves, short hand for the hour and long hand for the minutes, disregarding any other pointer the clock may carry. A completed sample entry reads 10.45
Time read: 4.52
